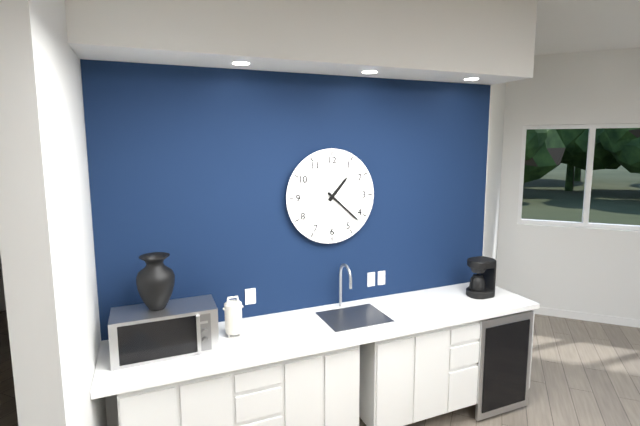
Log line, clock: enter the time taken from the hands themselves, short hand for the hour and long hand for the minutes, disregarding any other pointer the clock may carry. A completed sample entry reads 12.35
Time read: 1.22
